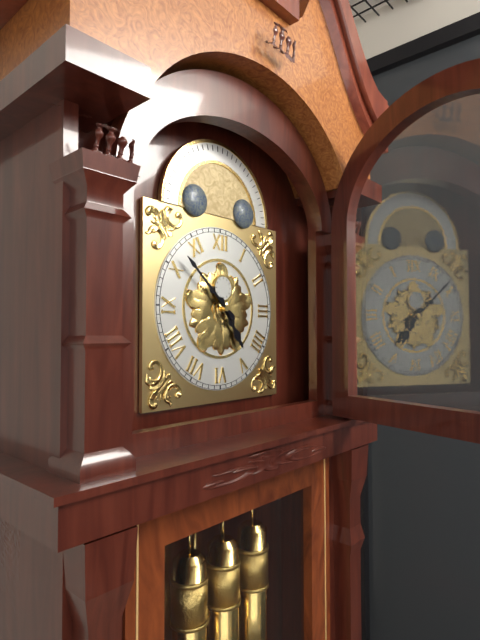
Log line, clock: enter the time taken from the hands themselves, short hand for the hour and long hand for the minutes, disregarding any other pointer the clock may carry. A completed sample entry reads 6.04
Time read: 4.52
